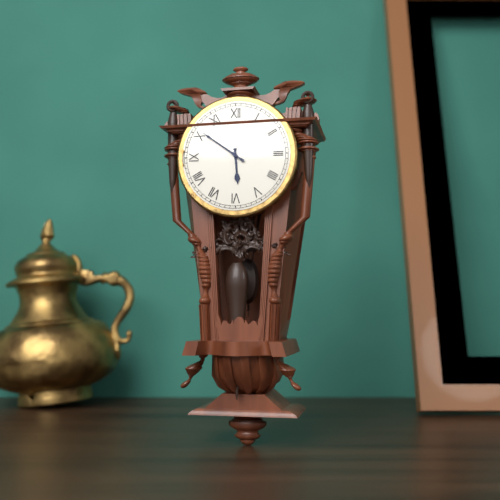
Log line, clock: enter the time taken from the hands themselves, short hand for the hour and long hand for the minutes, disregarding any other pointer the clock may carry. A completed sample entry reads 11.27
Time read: 5.51
